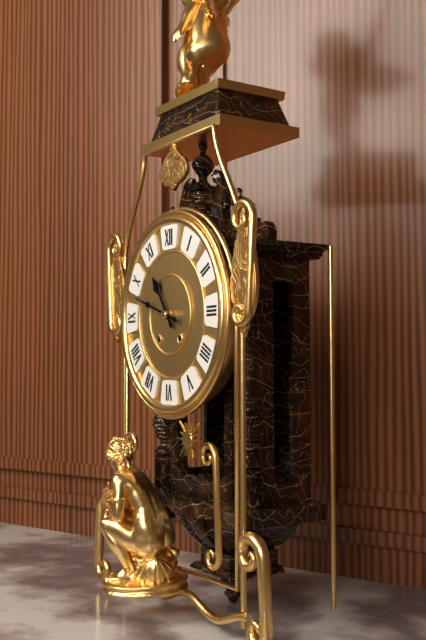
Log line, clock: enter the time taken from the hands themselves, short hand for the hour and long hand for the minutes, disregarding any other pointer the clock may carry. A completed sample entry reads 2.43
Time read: 10.48
